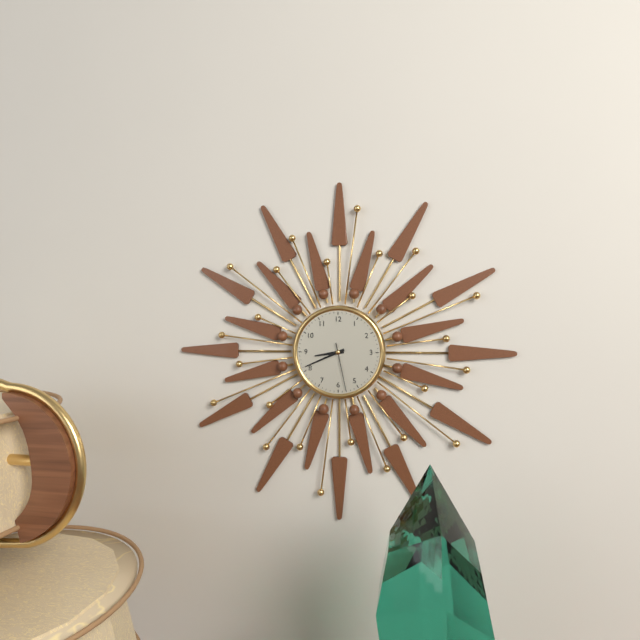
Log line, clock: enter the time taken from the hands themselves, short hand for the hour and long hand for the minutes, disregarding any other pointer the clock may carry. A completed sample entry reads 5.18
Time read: 8.41
